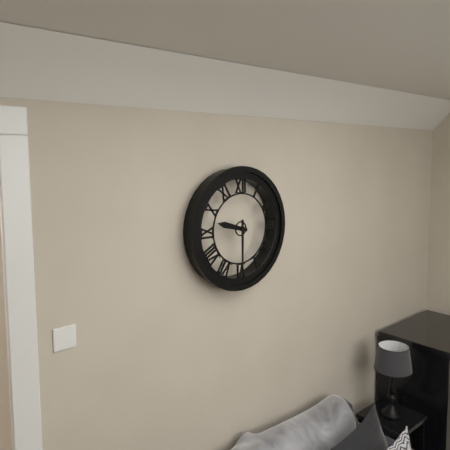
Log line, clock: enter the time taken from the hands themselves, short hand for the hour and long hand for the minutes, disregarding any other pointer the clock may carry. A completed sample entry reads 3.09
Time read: 9.30
